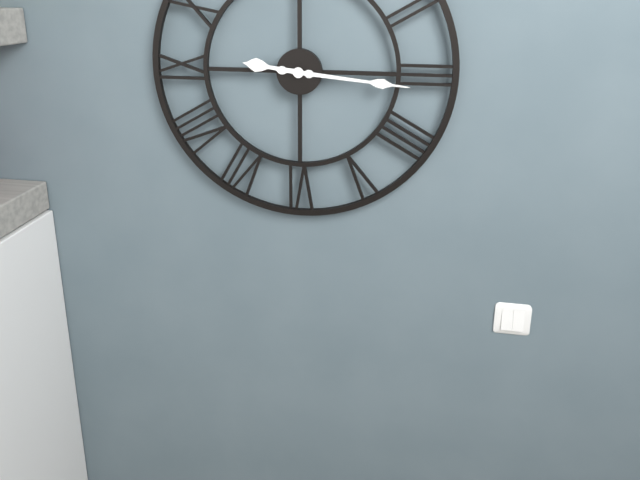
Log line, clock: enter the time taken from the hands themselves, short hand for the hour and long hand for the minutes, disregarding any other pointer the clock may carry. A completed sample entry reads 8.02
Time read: 9.16
